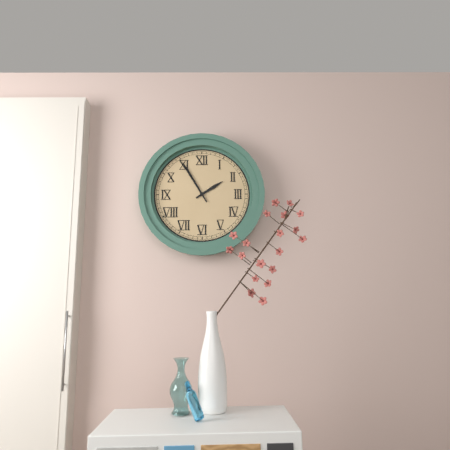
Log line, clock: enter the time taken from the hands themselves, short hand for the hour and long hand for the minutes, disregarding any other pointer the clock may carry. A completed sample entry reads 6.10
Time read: 1.55
